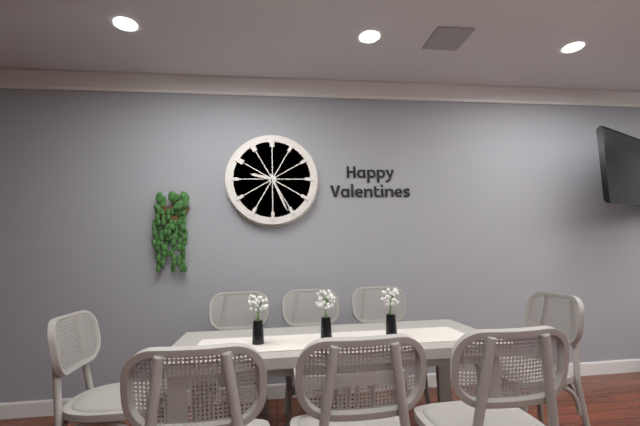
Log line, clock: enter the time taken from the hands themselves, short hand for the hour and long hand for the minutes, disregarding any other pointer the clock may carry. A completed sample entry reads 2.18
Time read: 9.26
